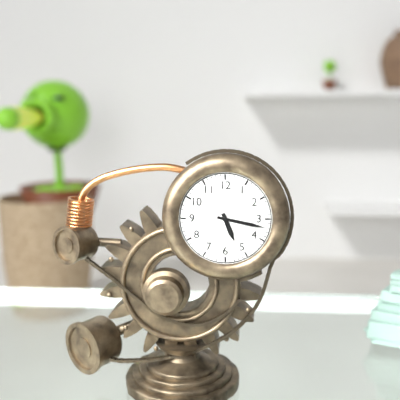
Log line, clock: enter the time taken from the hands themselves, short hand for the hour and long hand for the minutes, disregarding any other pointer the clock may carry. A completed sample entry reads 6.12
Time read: 5.17
